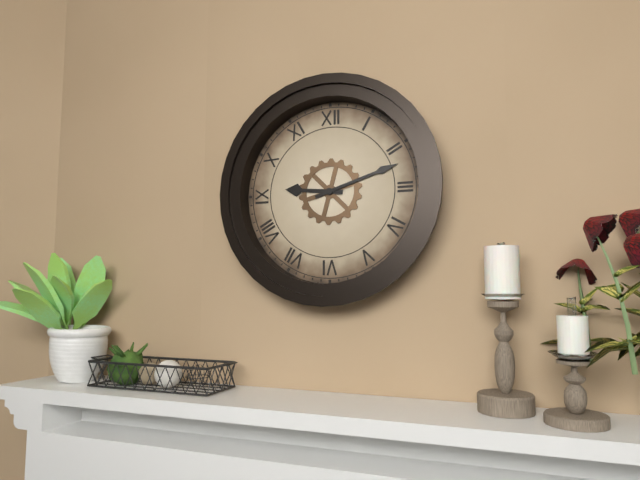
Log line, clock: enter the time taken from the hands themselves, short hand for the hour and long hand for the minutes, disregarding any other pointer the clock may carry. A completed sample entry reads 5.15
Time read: 9.12
